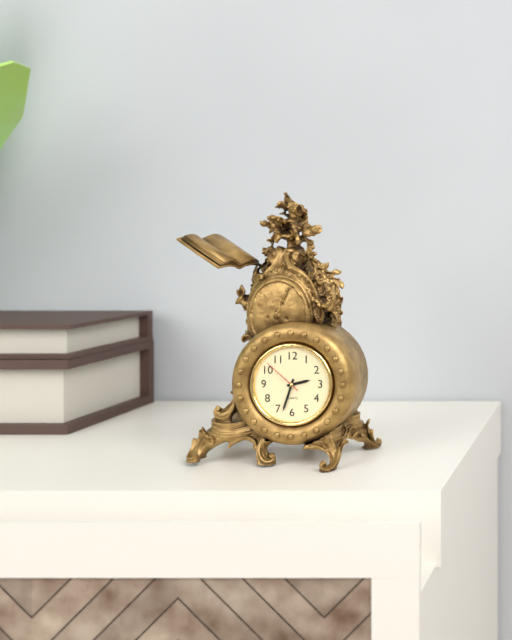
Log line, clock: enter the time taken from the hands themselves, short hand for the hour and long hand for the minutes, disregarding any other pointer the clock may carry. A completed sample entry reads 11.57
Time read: 2.33
